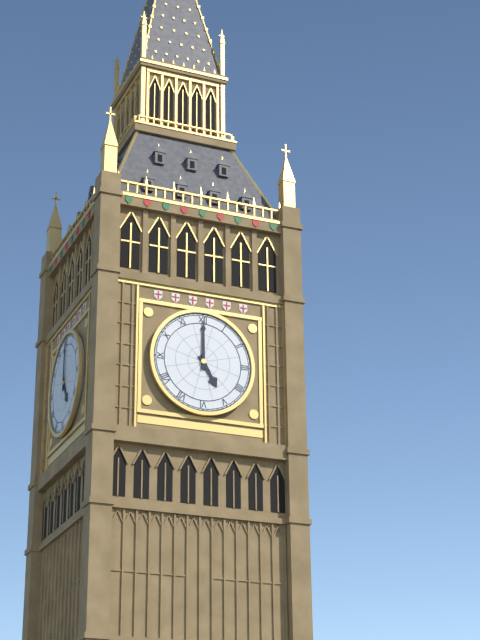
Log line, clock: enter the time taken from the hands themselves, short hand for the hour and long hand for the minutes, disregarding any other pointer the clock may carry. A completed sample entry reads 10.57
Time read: 5.00
